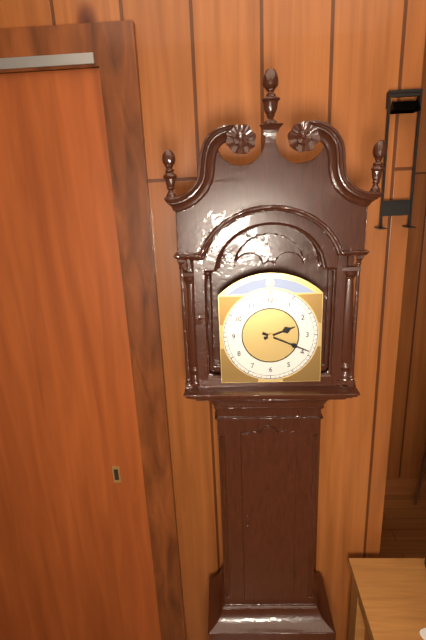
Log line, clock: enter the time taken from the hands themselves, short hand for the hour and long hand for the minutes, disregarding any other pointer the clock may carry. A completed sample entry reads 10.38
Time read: 2.19
